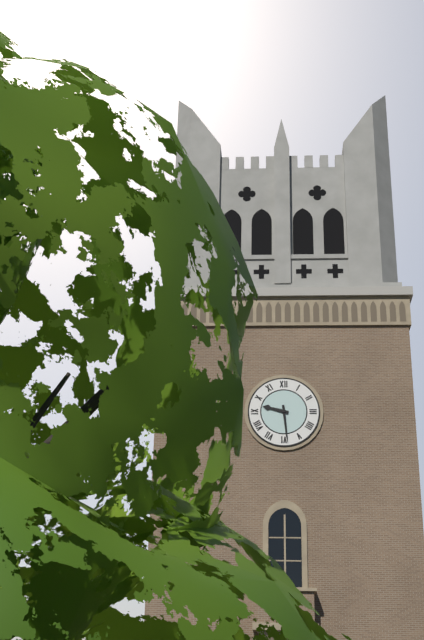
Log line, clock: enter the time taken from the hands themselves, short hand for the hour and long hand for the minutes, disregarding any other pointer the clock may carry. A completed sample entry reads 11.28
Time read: 9.29
